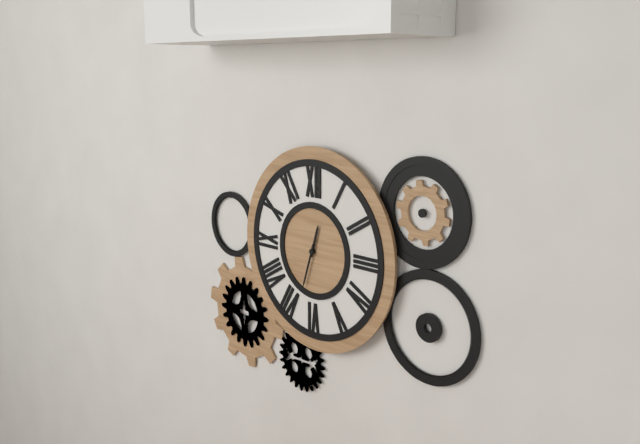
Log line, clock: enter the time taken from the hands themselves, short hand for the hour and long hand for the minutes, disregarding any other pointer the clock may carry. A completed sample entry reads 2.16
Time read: 12.33
